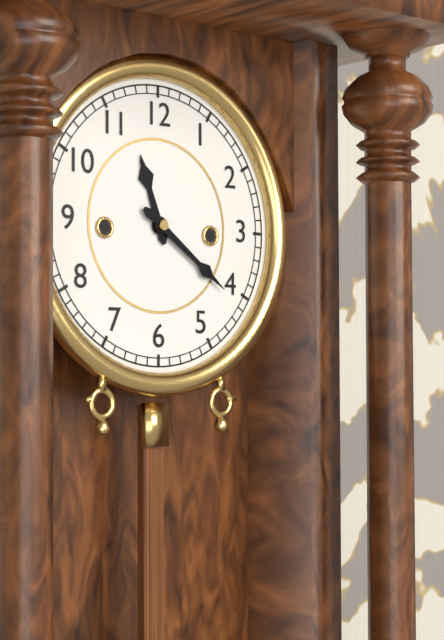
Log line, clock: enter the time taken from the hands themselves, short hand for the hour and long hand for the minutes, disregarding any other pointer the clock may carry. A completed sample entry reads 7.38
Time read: 11.21
